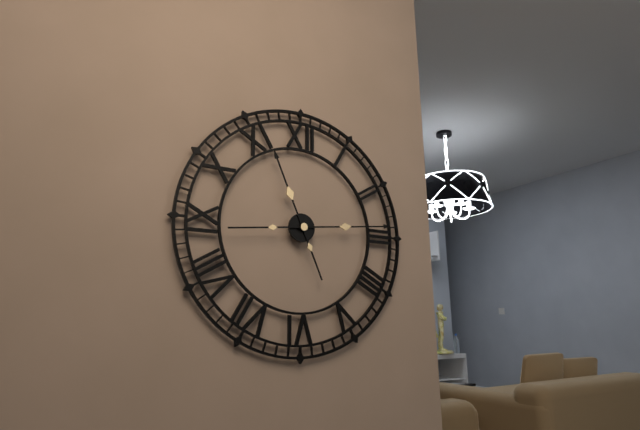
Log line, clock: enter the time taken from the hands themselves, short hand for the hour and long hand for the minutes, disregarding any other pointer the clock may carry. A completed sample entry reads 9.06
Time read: 11.14
